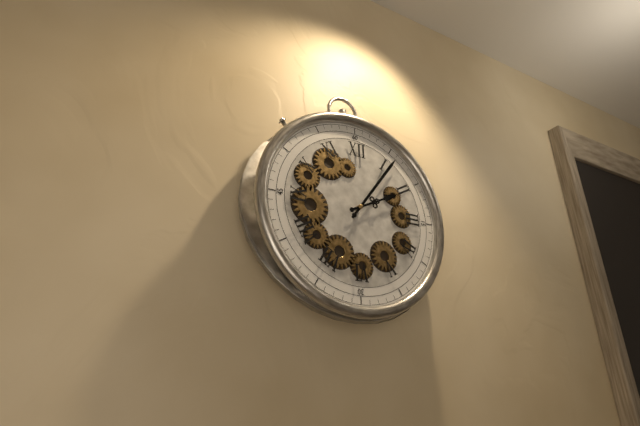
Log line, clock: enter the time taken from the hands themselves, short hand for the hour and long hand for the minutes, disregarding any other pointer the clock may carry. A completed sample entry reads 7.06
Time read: 2.06
